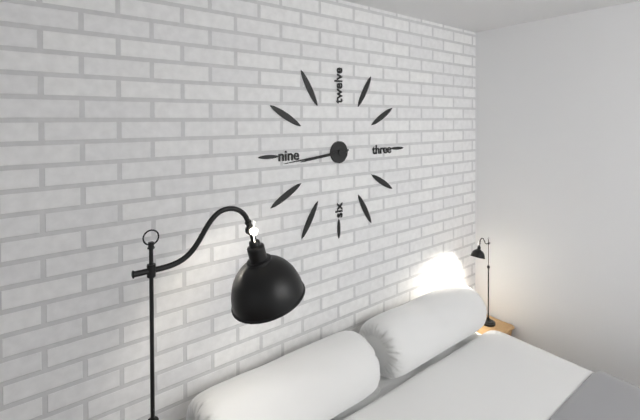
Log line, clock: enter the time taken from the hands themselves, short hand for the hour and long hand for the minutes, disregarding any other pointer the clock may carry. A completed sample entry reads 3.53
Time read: 8.44
